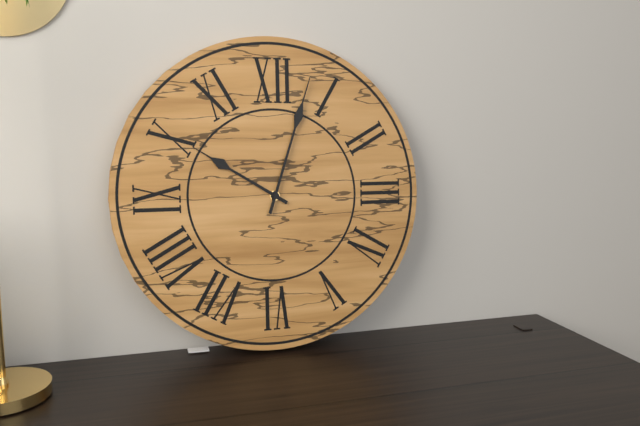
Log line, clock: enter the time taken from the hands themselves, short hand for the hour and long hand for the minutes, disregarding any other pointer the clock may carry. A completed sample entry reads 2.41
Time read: 10.03
